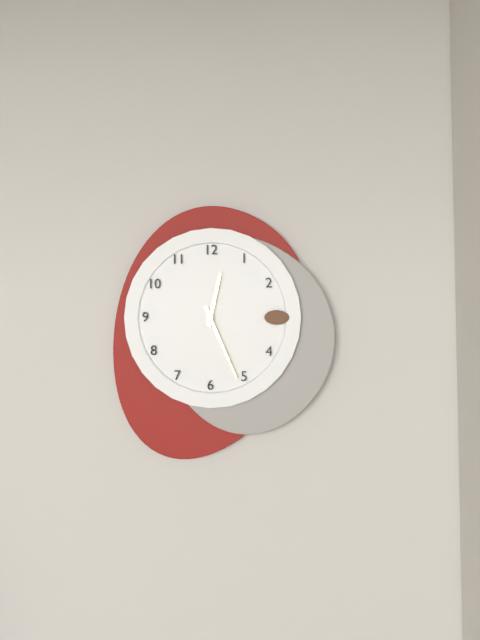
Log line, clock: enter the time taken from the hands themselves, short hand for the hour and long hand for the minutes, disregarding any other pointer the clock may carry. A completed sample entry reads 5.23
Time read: 12.26
